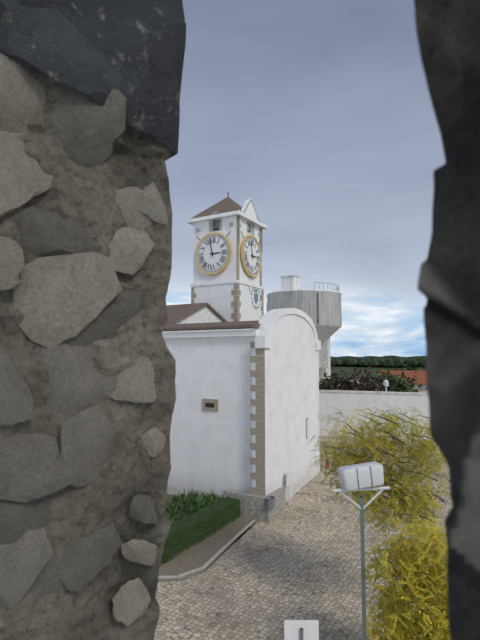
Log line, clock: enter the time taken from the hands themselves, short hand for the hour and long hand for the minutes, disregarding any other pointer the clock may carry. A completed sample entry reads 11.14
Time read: 2.58
